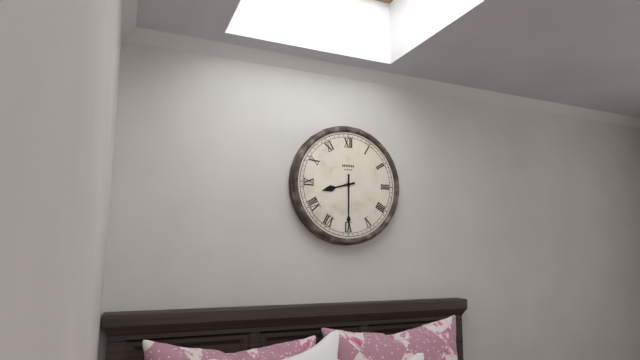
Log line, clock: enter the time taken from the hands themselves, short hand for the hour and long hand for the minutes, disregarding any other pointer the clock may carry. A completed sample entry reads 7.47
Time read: 8.30
